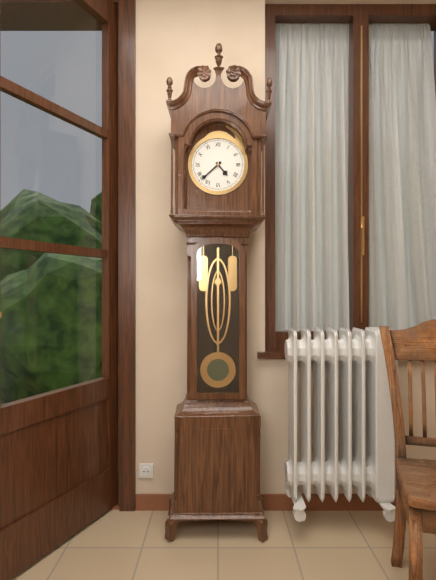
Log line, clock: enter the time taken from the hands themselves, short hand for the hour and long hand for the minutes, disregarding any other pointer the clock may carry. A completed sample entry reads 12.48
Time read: 4.38
